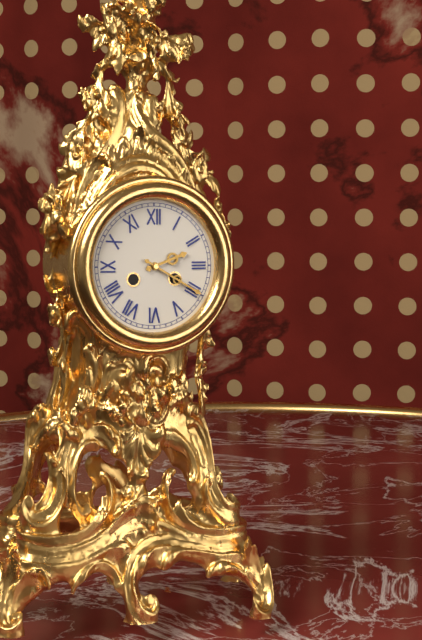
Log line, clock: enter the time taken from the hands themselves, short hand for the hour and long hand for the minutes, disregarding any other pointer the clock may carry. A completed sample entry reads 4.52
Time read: 2.20
